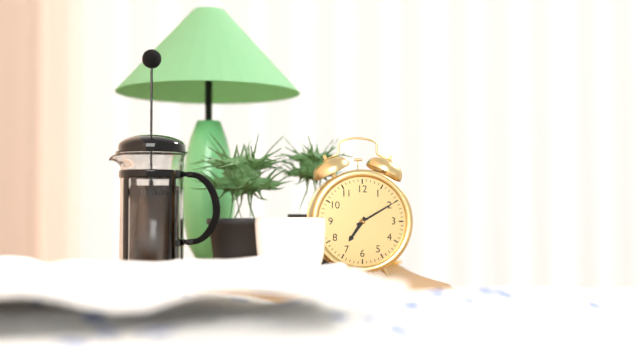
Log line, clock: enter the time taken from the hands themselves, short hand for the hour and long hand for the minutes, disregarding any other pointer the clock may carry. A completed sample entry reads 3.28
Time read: 7.10
